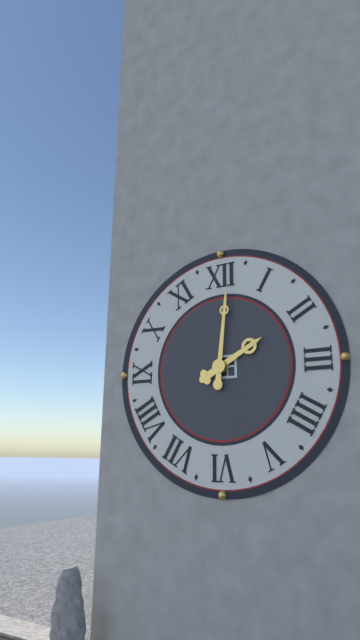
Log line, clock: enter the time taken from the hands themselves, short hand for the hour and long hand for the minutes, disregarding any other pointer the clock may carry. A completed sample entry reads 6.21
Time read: 2.01
